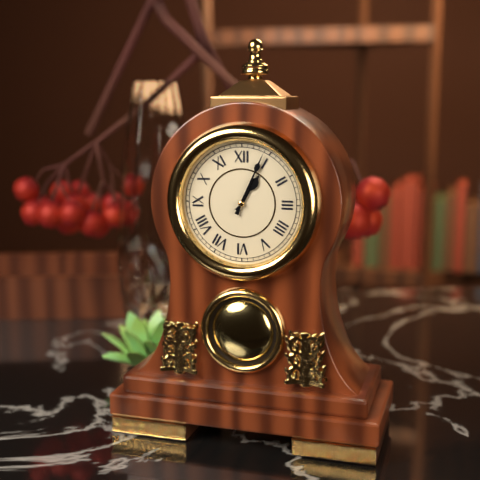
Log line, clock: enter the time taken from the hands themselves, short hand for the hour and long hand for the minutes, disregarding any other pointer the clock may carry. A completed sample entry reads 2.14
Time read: 1.04
